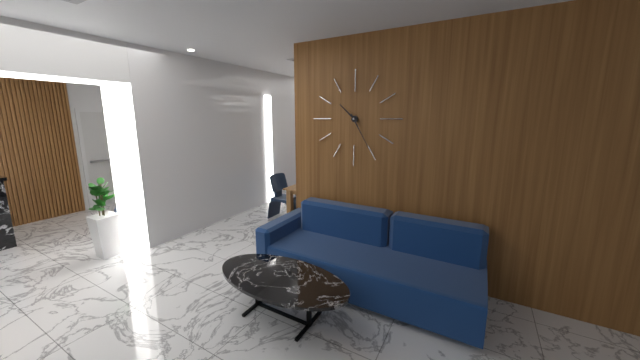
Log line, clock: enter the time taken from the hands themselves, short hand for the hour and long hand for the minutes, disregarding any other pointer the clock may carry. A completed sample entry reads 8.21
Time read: 10.25
